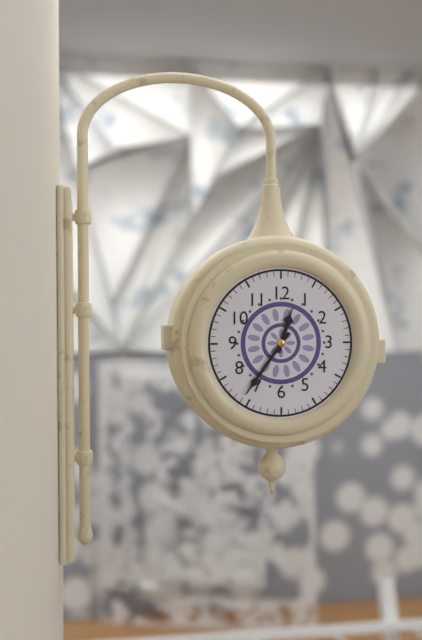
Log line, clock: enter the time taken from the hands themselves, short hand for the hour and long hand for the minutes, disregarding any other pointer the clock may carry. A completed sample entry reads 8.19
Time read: 12.36
